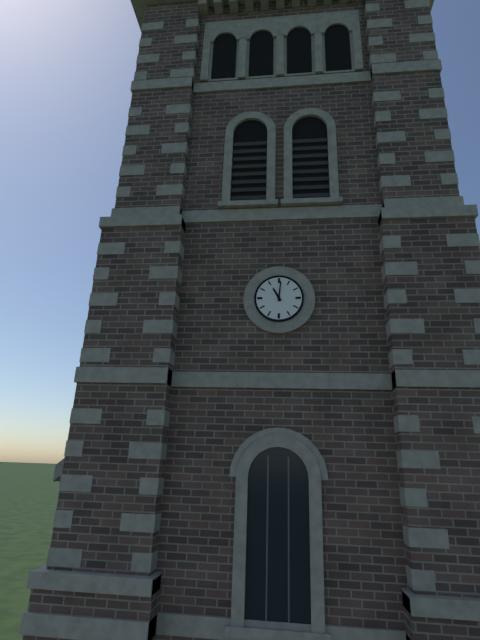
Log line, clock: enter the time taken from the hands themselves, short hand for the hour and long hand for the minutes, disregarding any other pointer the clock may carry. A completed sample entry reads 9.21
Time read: 11.01
